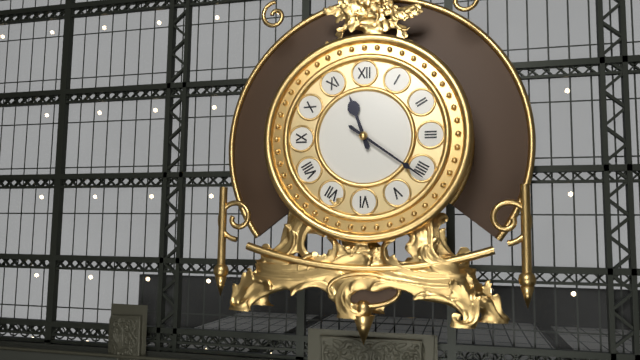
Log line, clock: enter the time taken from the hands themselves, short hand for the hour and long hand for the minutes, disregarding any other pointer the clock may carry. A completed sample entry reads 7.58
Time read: 11.21
